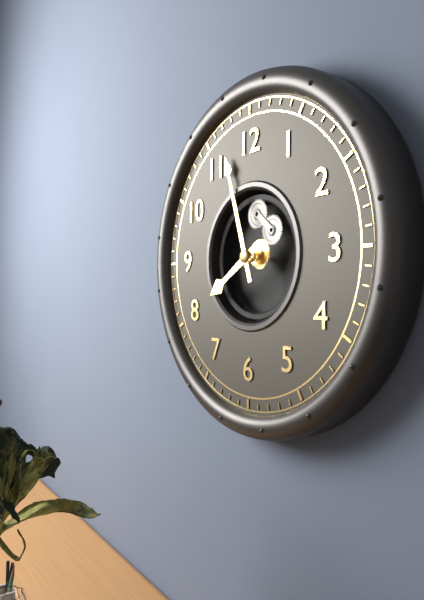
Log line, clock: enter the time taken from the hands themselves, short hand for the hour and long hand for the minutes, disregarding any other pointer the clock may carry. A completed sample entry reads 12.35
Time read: 7.57
